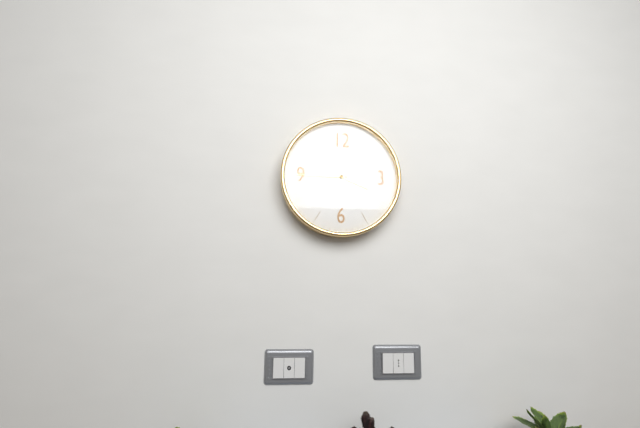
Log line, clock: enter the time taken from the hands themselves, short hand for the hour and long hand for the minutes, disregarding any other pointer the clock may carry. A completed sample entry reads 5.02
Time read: 3.45
